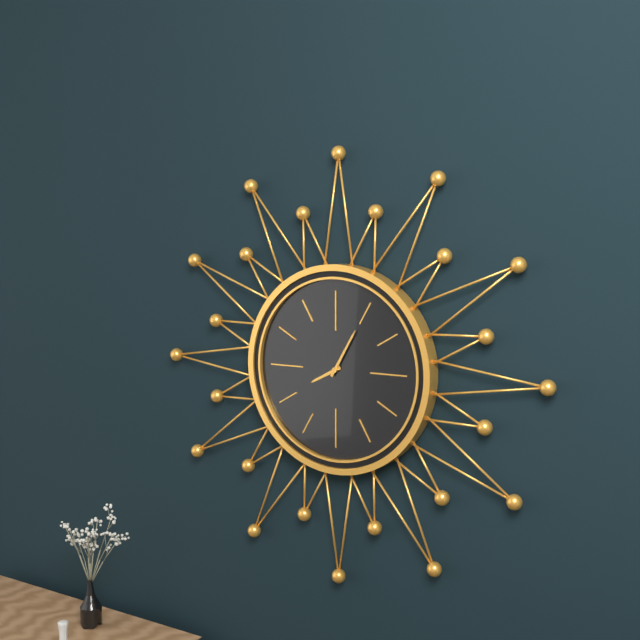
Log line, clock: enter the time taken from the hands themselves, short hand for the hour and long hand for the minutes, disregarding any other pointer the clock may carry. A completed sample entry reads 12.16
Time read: 8.05
